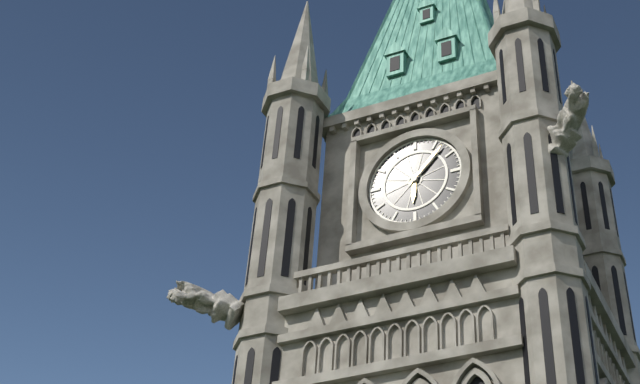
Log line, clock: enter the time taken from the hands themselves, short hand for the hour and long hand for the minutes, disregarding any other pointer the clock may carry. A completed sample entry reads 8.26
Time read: 6.07
